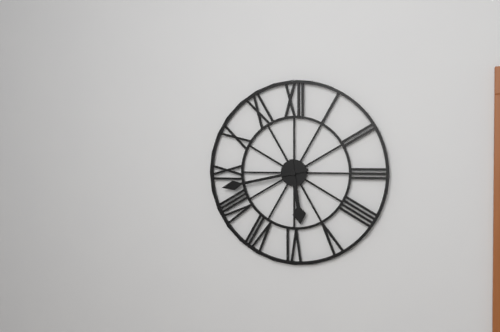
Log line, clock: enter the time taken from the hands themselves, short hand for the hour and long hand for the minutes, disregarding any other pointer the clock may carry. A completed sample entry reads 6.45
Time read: 5.43
